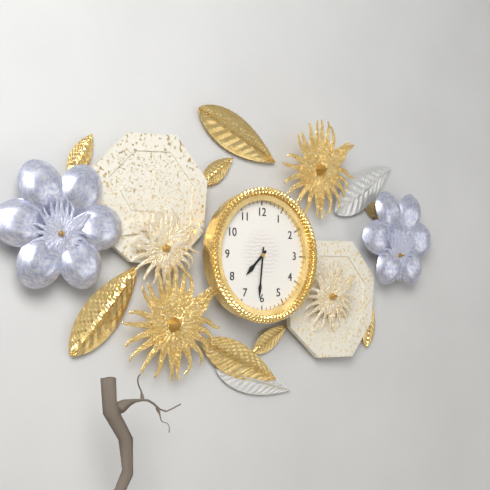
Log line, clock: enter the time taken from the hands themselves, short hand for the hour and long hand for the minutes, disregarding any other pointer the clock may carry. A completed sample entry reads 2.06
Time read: 7.31
